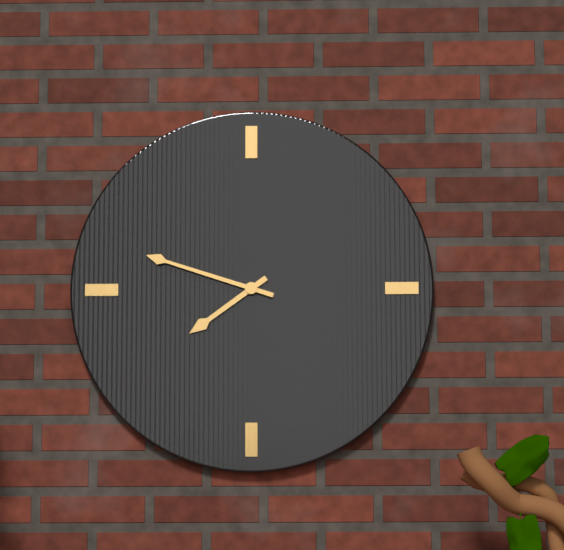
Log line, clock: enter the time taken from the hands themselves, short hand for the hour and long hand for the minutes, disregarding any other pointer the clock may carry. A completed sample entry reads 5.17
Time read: 7.48
